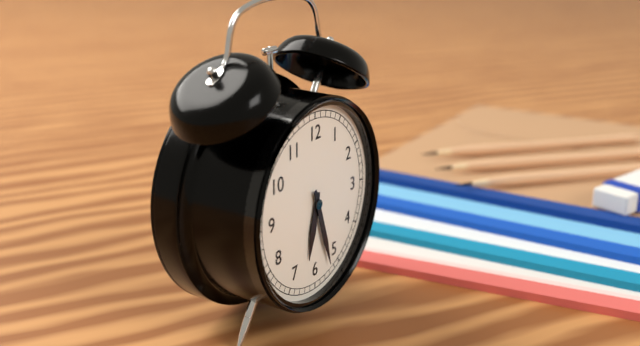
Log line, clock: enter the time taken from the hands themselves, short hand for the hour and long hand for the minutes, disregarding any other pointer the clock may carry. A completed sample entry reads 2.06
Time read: 6.27
